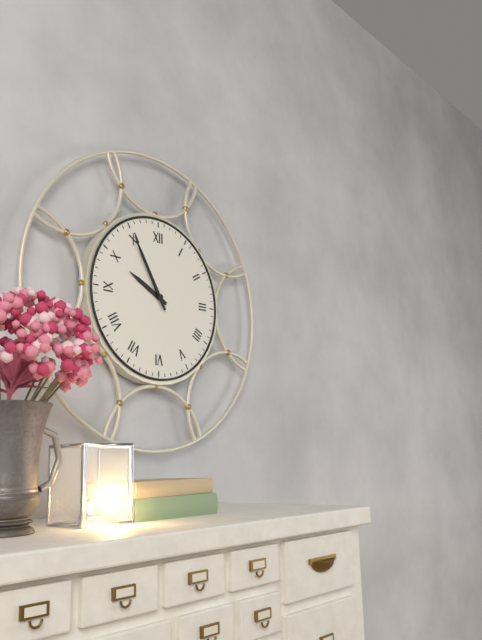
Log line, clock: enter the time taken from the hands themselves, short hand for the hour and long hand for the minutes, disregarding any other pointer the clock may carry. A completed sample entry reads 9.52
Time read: 9.55
